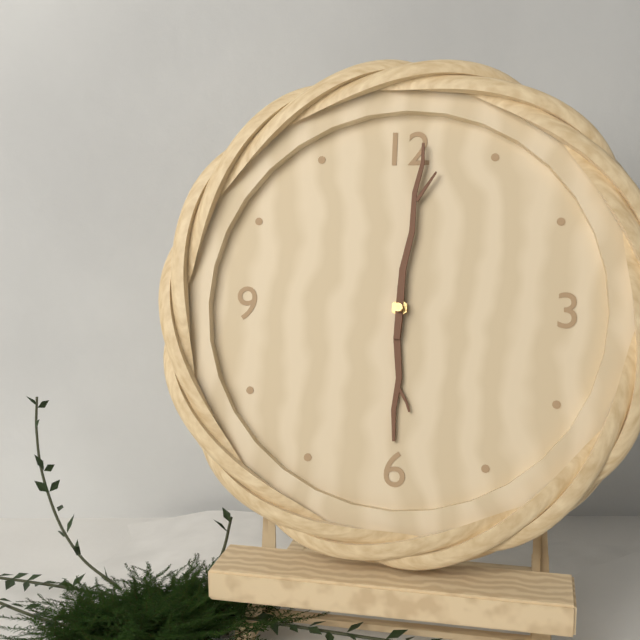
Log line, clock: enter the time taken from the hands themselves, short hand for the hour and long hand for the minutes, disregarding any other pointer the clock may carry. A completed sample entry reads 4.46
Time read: 6.01
